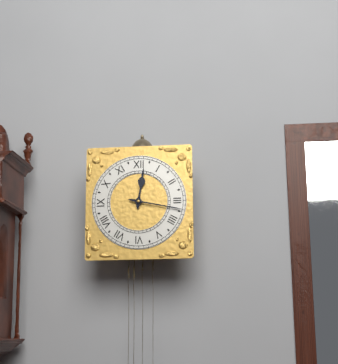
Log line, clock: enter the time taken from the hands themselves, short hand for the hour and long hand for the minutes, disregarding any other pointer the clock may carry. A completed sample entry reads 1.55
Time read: 12.17
